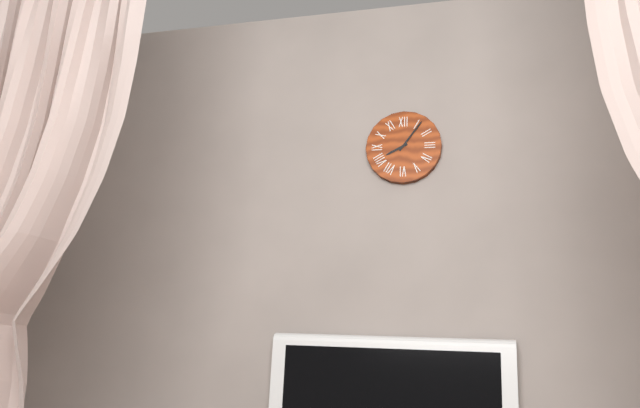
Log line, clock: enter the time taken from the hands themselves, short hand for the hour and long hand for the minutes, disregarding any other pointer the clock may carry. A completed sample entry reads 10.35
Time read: 8.06
